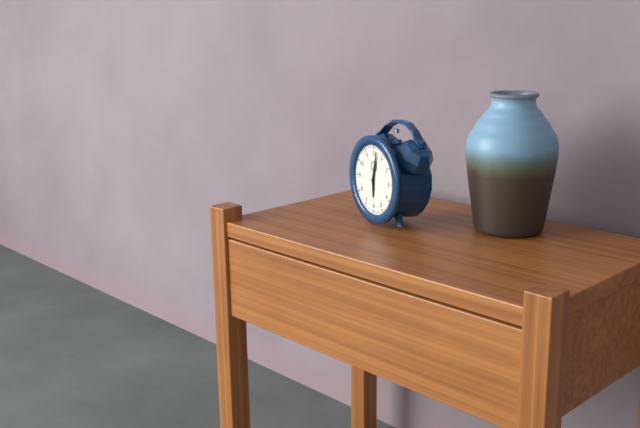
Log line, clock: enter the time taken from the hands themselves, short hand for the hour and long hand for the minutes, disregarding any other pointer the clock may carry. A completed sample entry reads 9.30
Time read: 6.02
